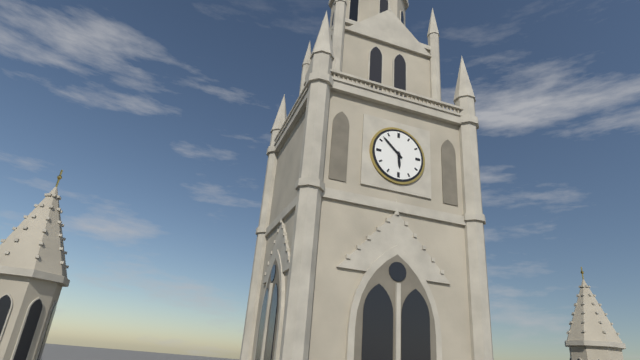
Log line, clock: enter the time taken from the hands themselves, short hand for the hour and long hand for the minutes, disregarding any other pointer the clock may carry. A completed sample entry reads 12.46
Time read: 5.52
